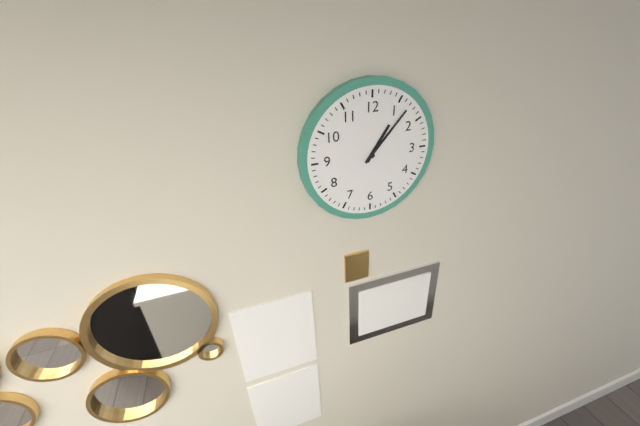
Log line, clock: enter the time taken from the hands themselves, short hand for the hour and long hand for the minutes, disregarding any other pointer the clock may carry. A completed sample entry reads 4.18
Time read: 1.07
